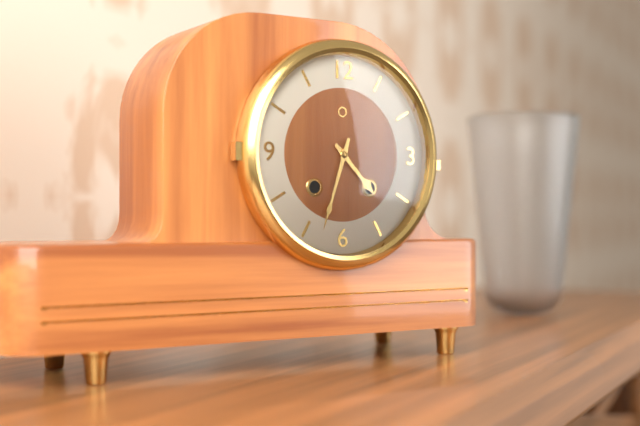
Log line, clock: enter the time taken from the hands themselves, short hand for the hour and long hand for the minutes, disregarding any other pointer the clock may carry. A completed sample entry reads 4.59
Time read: 4.33
